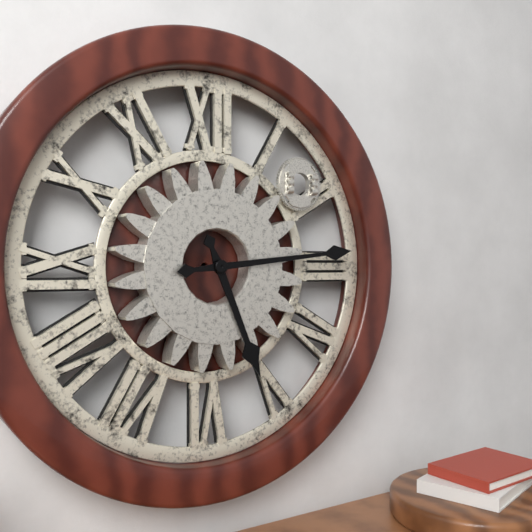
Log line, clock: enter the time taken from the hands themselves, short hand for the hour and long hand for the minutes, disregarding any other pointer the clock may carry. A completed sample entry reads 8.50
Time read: 5.14
